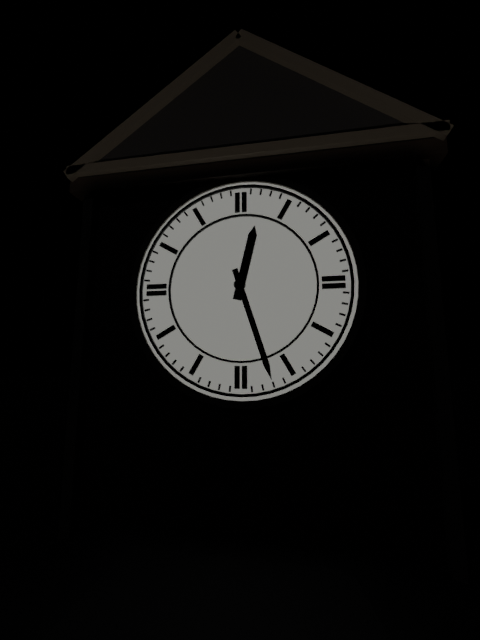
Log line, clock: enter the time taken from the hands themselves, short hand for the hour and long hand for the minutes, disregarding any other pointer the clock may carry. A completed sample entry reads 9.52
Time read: 12.27
